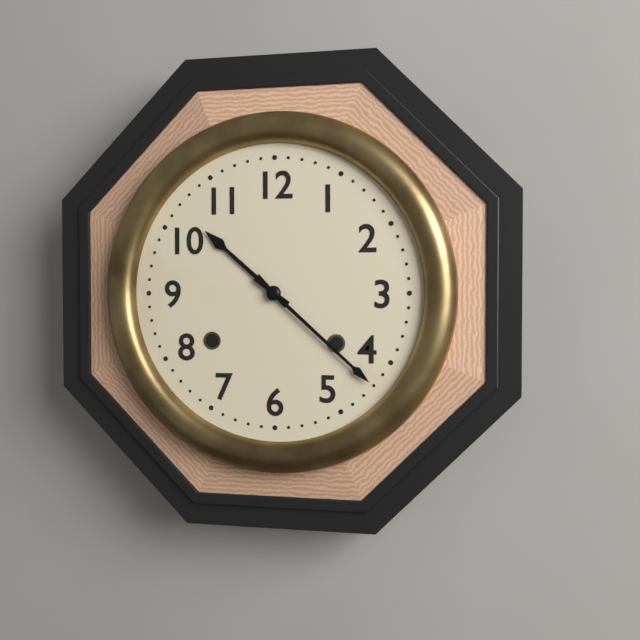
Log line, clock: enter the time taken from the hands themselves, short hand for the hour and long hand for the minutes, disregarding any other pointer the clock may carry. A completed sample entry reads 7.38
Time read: 10.22
